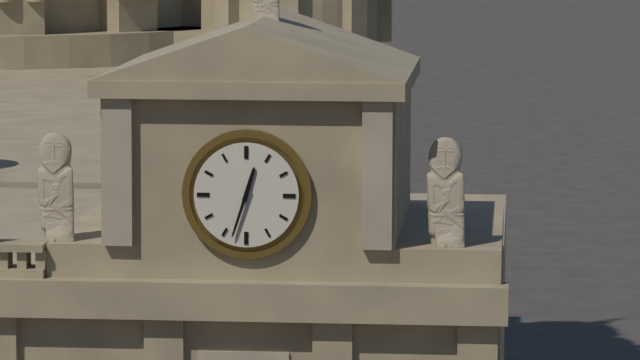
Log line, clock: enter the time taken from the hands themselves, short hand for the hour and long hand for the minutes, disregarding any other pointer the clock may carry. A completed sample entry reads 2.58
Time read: 12.33
